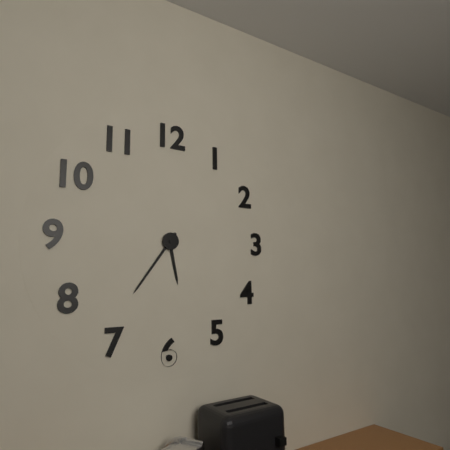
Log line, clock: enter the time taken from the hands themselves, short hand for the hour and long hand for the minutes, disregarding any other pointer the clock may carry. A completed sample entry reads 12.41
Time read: 5.36
